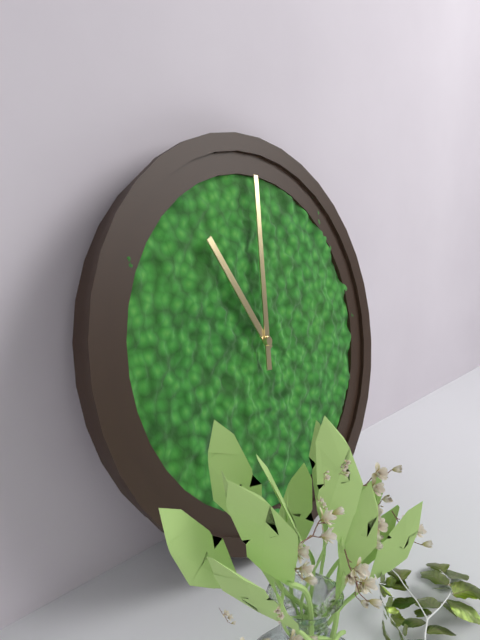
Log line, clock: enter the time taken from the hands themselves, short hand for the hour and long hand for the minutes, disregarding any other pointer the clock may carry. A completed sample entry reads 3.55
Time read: 11.01
